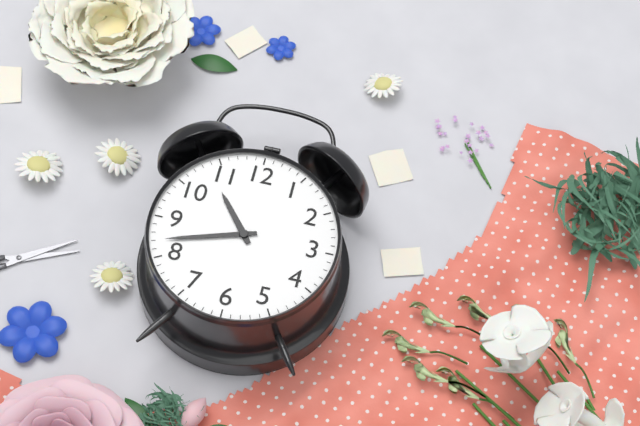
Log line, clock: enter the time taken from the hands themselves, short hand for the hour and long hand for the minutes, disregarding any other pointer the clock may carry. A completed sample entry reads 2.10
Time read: 10.42
